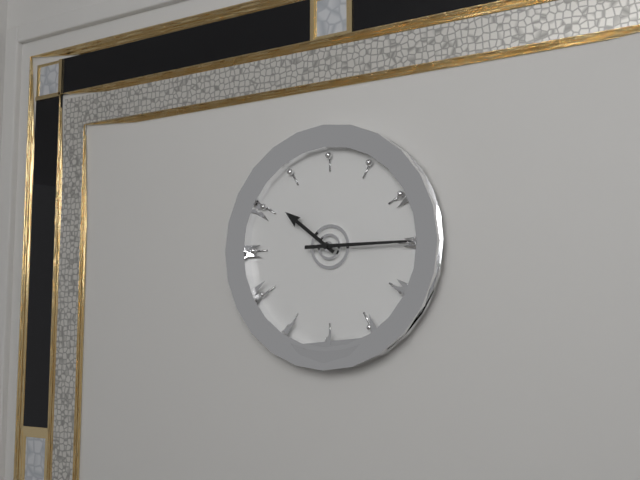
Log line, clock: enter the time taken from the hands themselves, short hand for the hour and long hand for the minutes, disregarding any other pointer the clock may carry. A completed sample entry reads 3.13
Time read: 10.15
